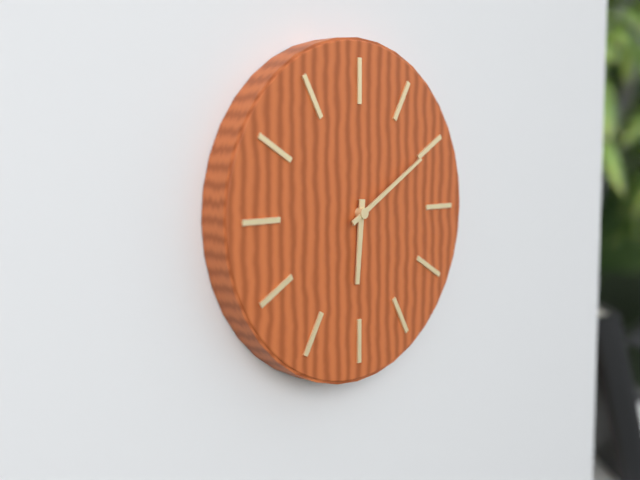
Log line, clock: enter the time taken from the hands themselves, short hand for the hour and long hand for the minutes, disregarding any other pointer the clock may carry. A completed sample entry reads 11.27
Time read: 6.10
